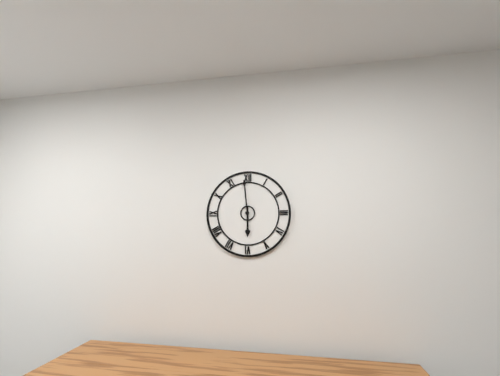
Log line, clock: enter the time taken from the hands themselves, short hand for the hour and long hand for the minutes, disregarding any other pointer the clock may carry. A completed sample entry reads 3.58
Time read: 5.59
